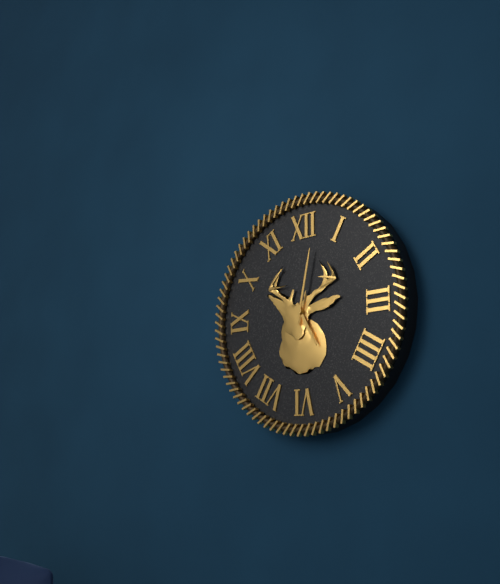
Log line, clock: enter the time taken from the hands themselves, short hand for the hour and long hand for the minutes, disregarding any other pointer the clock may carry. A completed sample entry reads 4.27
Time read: 5.02
